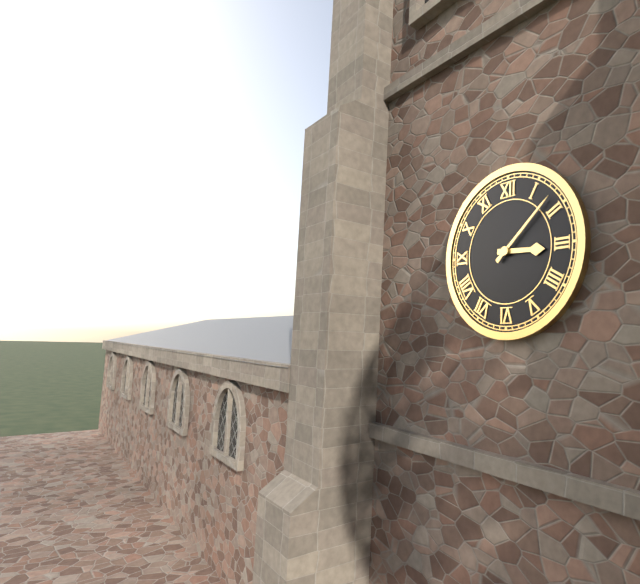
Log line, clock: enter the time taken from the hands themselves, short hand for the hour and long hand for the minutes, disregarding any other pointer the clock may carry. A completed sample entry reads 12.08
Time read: 3.08
